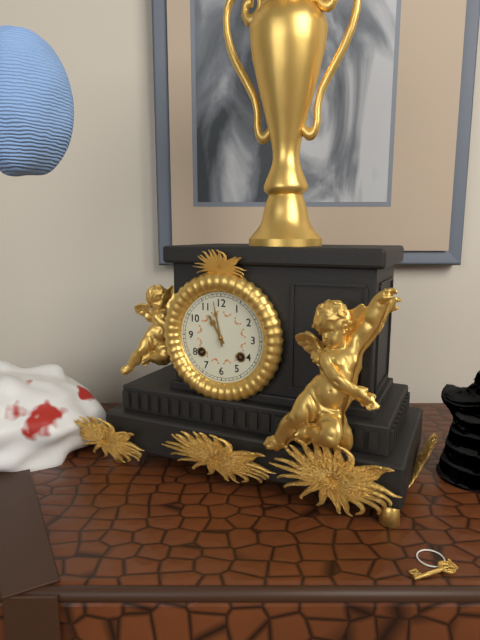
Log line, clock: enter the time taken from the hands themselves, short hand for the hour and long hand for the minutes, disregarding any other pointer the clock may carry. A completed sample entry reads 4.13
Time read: 10.58
